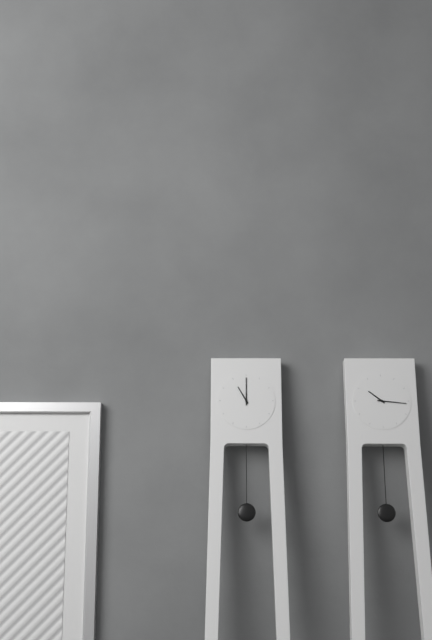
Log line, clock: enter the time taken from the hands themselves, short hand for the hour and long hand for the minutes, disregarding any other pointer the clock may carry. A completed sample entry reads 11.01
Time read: 11.00
